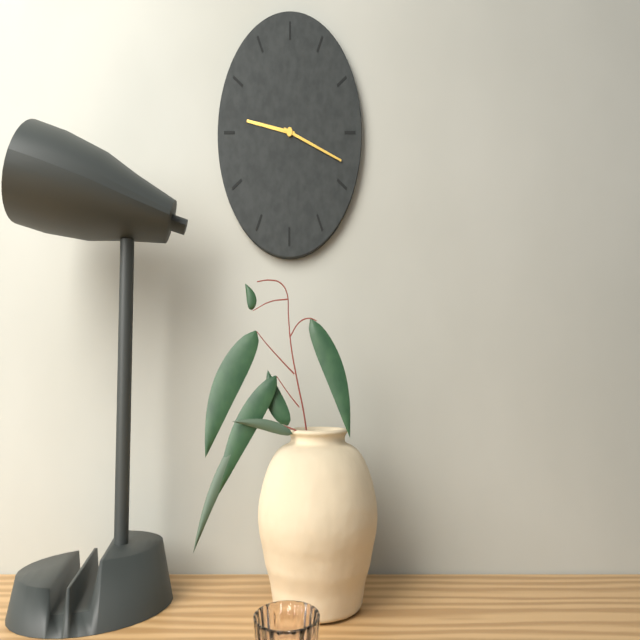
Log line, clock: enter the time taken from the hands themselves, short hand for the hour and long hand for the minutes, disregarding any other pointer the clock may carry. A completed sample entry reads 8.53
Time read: 9.18
